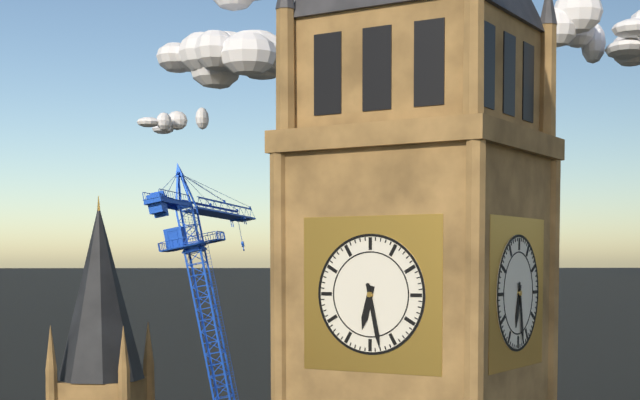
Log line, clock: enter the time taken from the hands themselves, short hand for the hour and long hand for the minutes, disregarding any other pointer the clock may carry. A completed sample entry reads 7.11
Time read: 6.28
